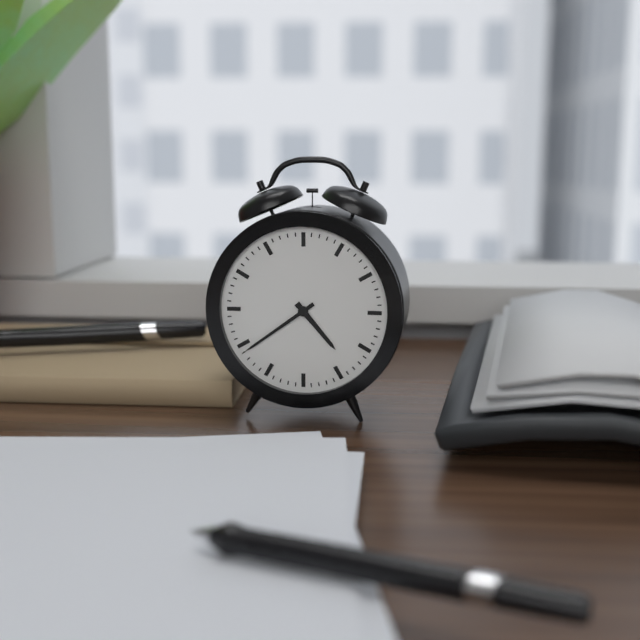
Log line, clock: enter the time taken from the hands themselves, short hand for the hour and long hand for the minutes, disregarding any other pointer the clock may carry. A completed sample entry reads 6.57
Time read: 4.39
